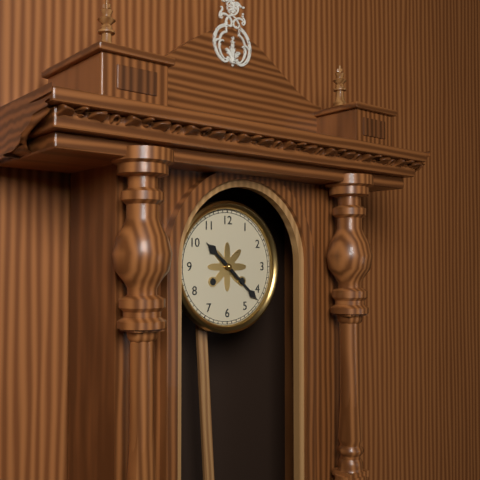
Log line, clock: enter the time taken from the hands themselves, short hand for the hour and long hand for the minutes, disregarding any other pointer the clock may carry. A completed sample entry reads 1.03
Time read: 10.22
